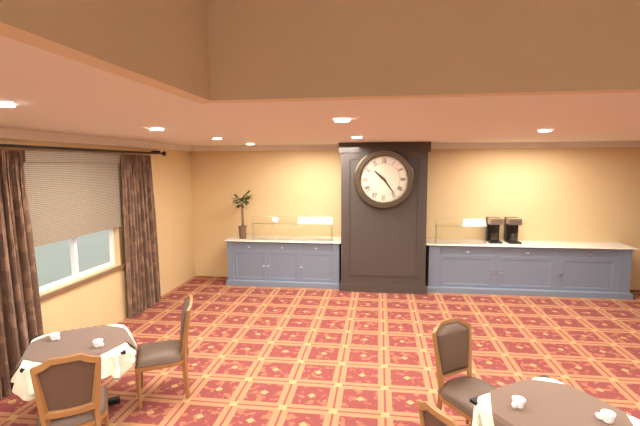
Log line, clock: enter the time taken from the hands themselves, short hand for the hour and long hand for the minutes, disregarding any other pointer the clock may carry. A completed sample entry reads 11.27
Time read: 10.24
